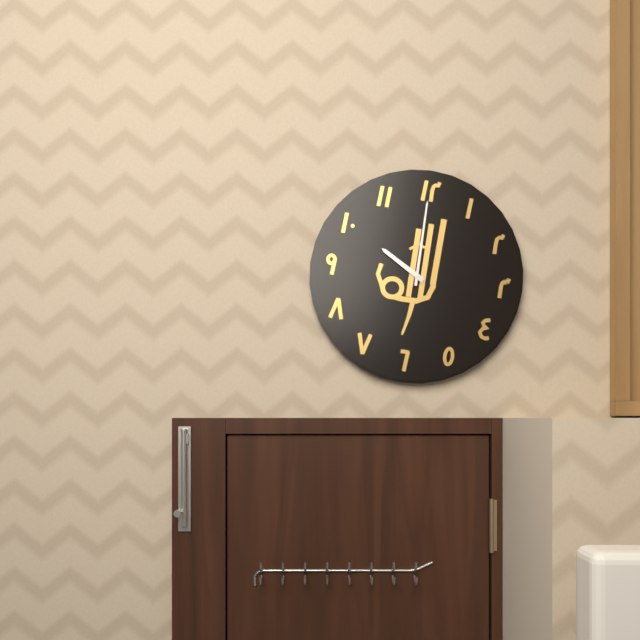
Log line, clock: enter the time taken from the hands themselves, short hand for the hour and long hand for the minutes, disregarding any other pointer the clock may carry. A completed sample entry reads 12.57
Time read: 10.00
